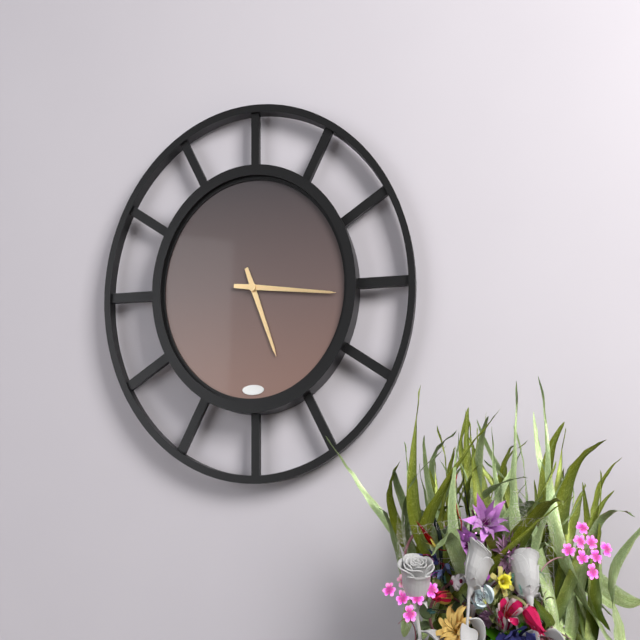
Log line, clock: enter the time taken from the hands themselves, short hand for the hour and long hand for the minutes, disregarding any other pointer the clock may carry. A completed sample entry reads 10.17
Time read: 5.16
